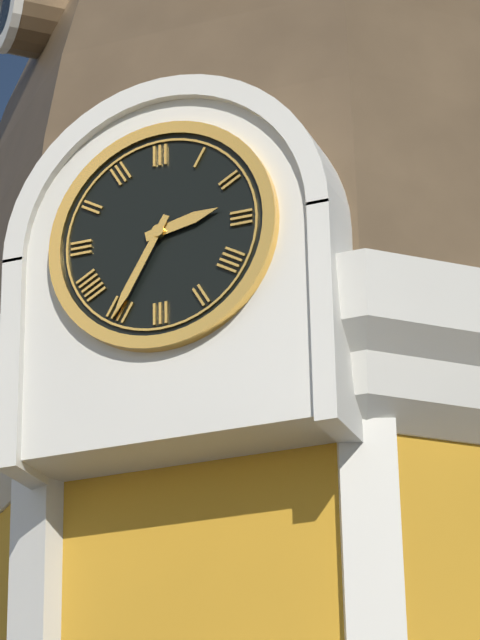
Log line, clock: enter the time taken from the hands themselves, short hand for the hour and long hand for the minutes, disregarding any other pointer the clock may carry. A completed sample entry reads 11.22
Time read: 2.35
